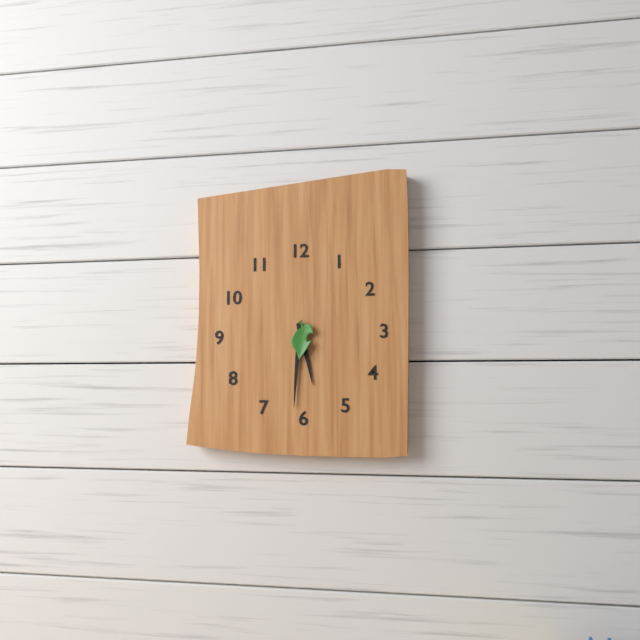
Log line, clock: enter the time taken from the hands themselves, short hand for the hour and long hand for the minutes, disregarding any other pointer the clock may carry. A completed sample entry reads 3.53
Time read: 5.31
